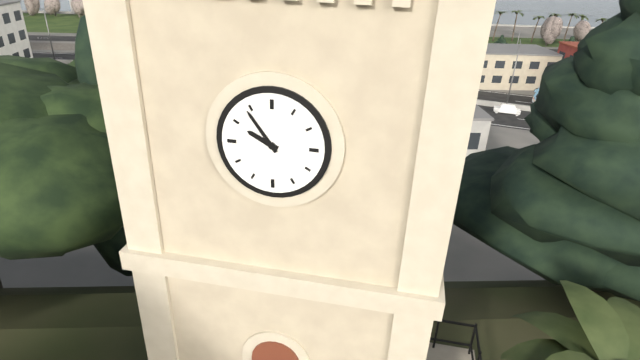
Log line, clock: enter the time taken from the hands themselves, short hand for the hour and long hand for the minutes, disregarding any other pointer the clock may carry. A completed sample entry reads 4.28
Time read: 9.54
